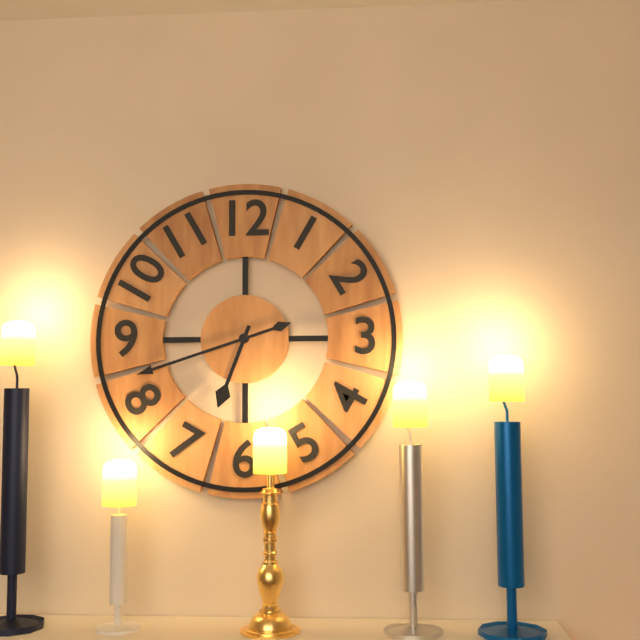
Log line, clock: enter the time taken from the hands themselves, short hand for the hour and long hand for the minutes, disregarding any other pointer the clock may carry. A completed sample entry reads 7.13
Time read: 6.42
